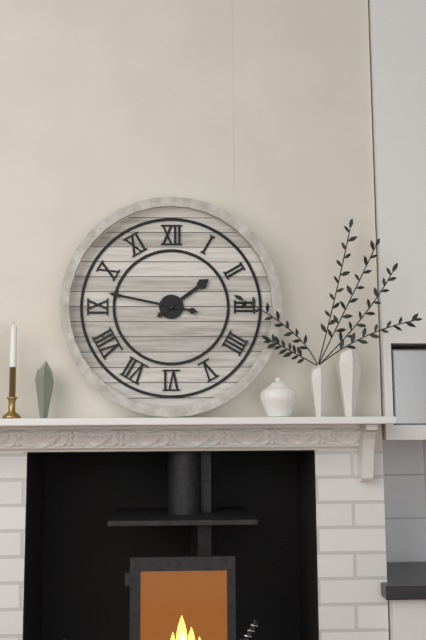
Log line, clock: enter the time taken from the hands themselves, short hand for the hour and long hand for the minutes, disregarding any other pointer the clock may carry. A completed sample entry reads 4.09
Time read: 1.47
